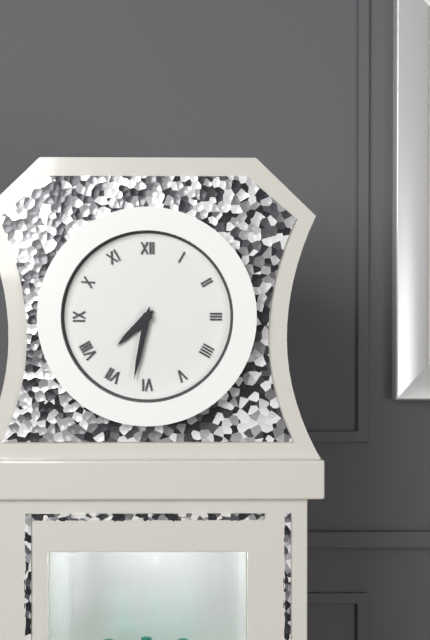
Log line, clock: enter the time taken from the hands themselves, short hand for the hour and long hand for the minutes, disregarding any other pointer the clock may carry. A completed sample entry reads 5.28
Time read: 7.32
